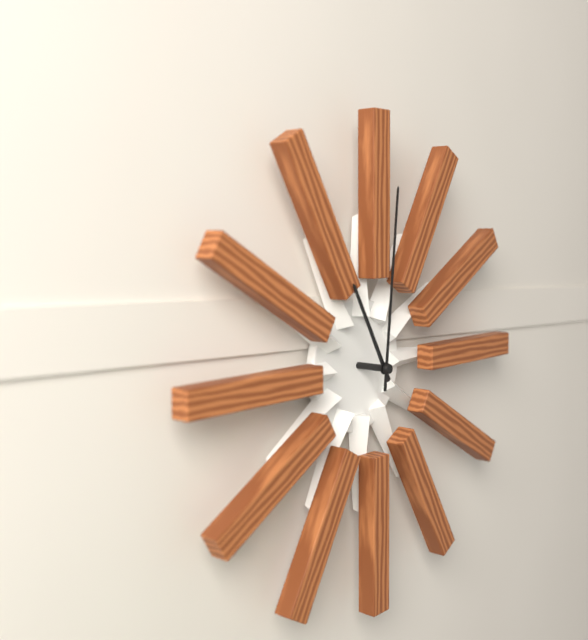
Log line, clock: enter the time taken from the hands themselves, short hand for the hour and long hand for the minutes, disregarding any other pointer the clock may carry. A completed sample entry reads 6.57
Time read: 11.01
